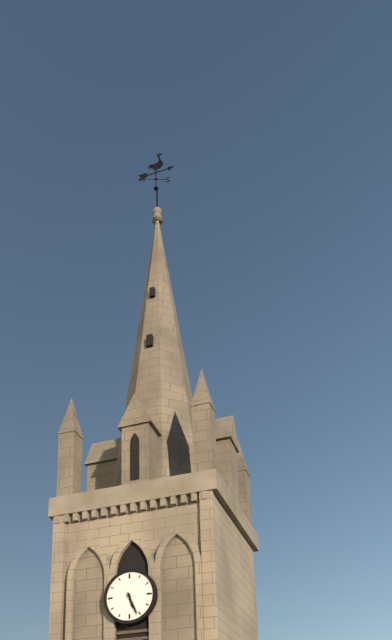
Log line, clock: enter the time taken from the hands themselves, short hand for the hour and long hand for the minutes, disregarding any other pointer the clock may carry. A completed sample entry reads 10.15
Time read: 5.26
